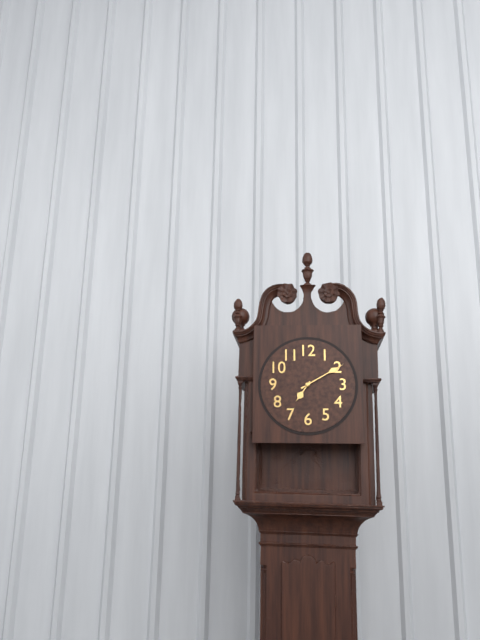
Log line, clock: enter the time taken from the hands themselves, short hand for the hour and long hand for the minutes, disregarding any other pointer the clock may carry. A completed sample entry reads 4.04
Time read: 7.10
